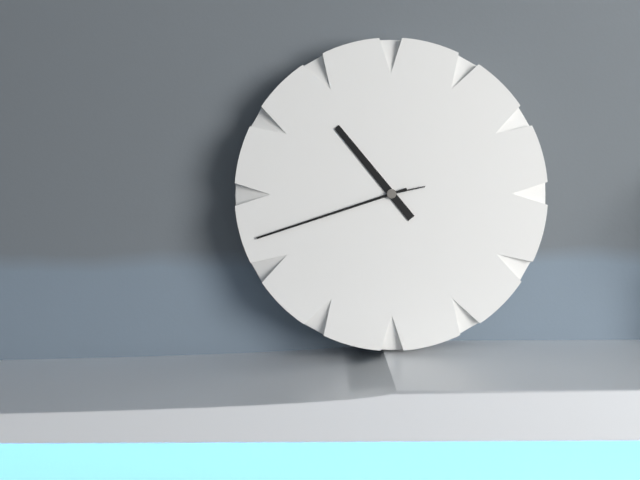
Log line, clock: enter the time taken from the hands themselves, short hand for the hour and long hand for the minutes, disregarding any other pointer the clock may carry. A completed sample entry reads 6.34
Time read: 10.42
